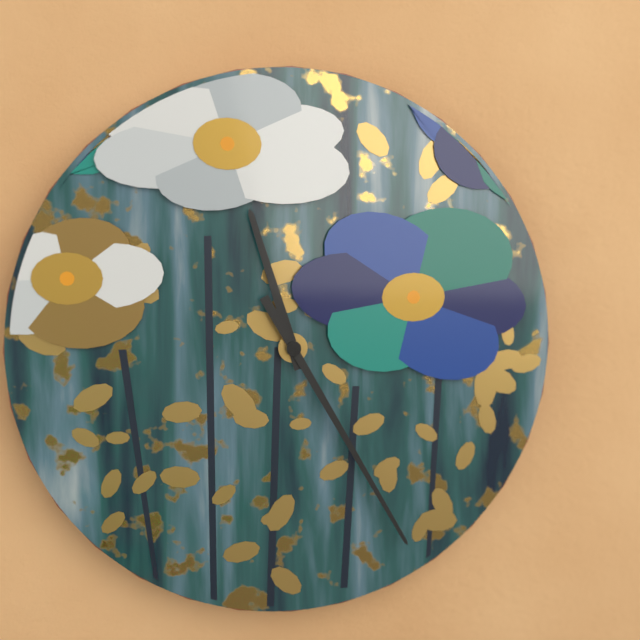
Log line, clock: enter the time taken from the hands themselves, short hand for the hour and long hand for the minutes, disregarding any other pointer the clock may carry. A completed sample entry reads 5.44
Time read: 11.25
